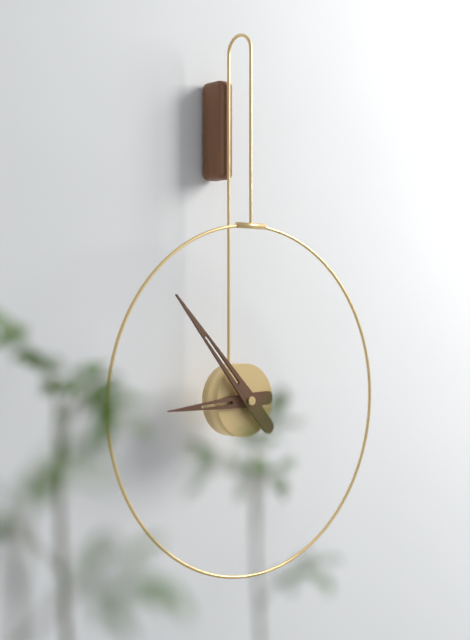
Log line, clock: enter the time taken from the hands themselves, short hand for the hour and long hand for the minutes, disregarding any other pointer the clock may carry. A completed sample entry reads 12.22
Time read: 8.53
